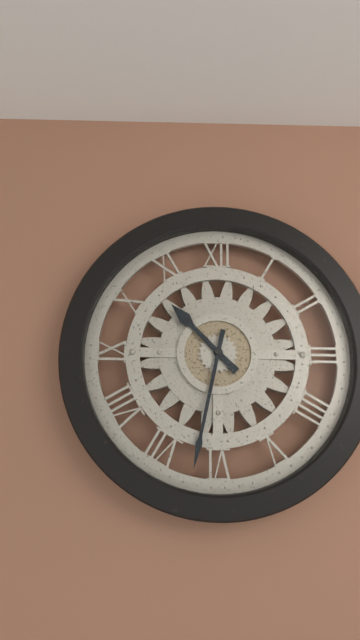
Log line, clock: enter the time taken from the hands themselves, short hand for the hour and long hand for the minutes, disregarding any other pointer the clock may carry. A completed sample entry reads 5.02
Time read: 10.32
